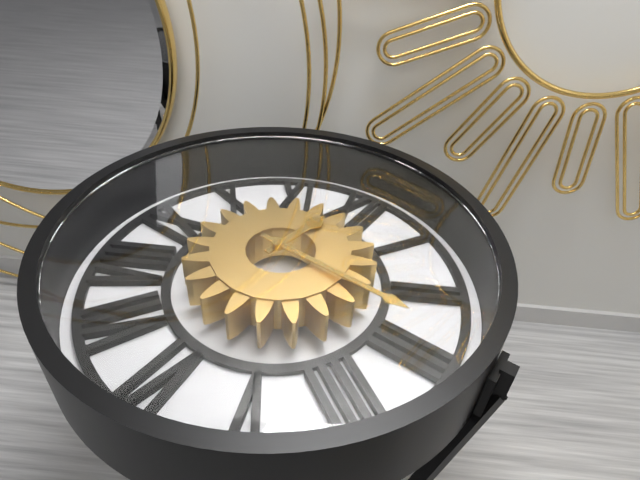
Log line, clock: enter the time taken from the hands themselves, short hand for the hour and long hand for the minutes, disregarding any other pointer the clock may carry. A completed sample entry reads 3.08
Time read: 12.15
